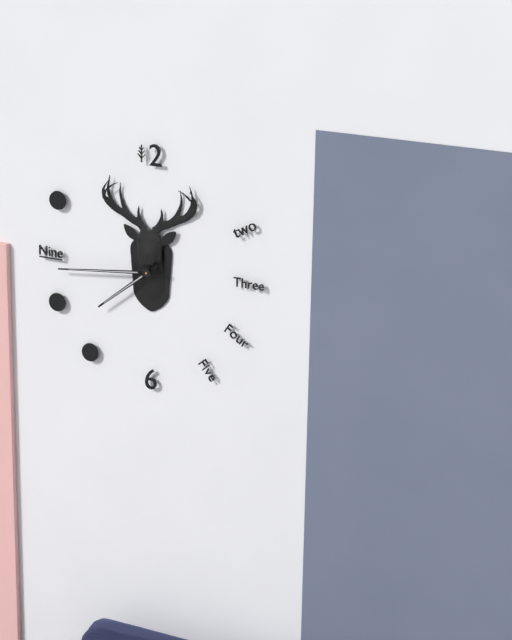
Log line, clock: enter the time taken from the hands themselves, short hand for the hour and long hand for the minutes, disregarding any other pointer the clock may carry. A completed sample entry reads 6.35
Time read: 7.44
